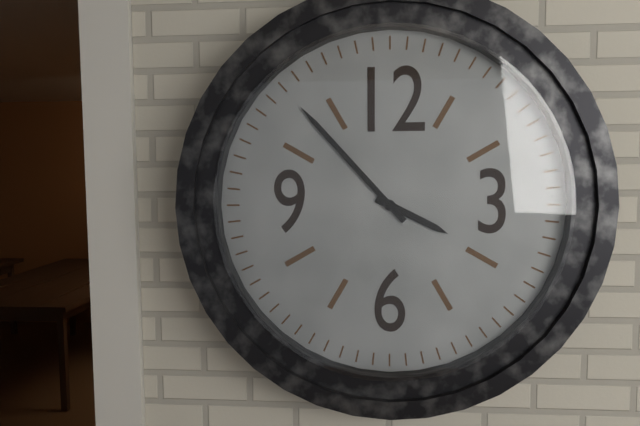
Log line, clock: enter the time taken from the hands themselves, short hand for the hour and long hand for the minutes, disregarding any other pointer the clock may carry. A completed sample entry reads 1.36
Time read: 3.53
